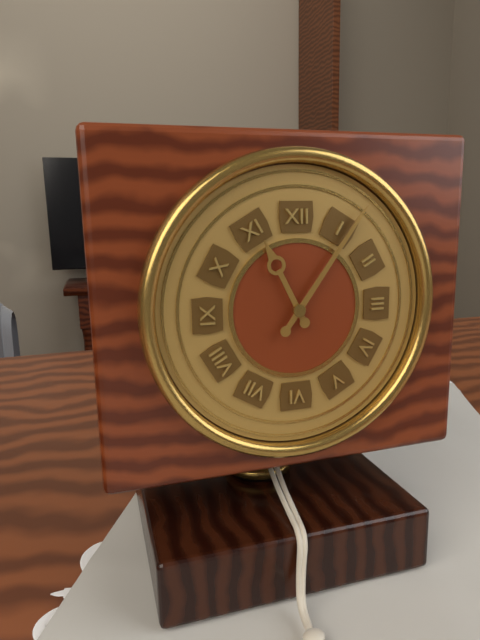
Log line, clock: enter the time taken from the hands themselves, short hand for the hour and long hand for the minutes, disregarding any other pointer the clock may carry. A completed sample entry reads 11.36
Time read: 11.06
